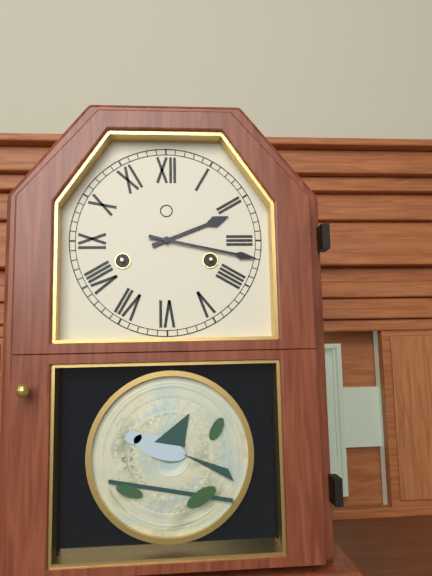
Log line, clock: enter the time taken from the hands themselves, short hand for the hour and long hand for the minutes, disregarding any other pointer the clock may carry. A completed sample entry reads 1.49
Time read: 2.17
